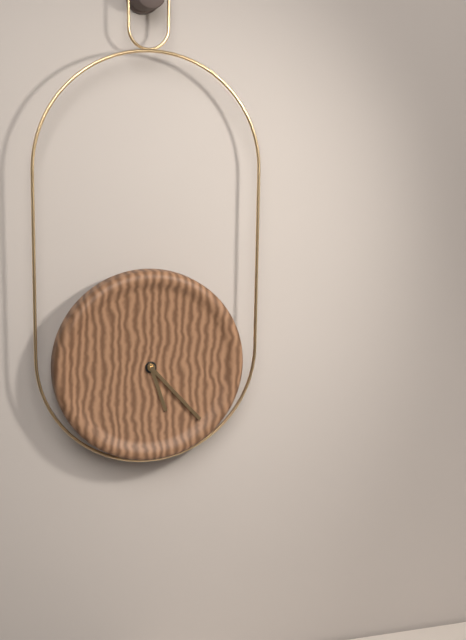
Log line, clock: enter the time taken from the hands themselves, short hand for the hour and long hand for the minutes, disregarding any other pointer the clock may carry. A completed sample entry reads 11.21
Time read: 5.23
